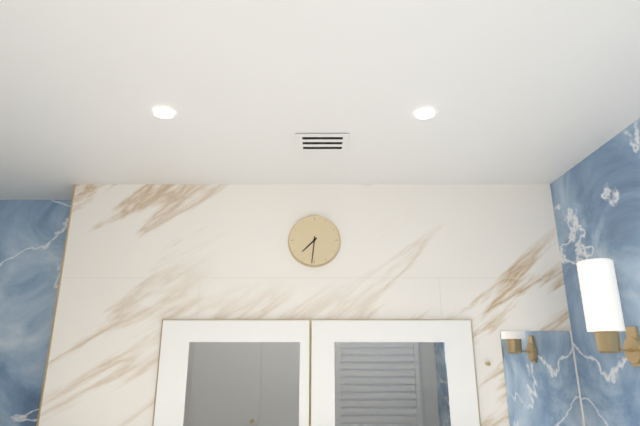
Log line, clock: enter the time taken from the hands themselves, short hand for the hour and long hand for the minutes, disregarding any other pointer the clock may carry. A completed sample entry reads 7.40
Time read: 7.31
